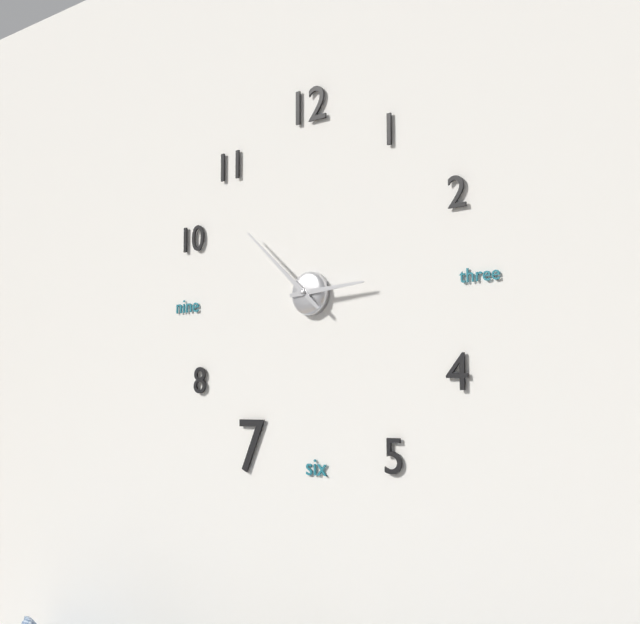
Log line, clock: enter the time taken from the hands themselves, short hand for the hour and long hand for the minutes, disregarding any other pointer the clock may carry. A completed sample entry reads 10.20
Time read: 2.52
